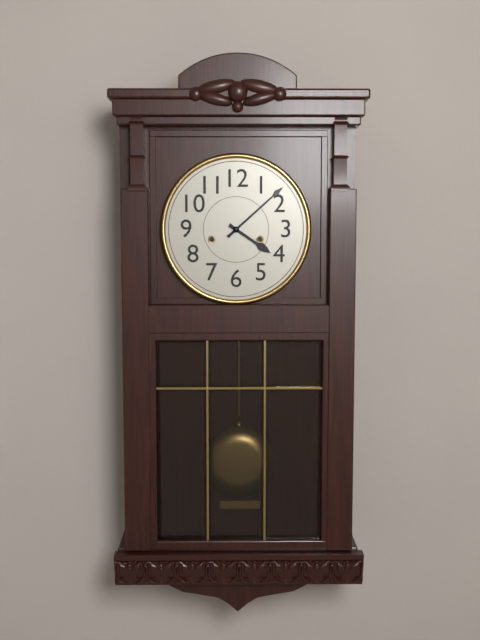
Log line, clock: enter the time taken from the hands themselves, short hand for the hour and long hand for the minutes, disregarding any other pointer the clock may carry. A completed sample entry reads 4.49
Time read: 4.08
